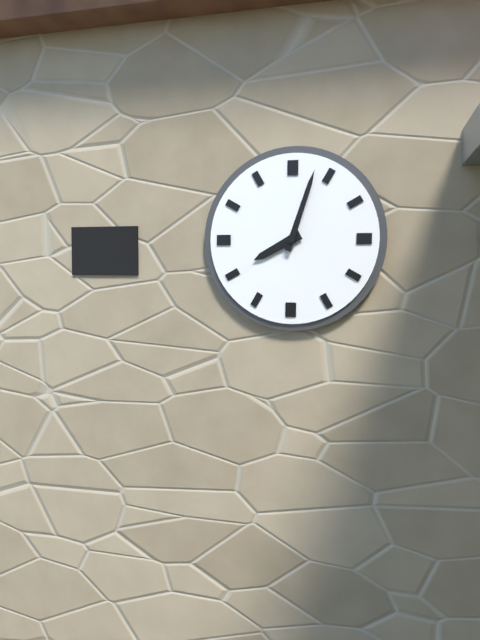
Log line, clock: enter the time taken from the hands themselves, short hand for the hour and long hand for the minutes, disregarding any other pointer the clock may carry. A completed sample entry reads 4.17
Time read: 8.03
